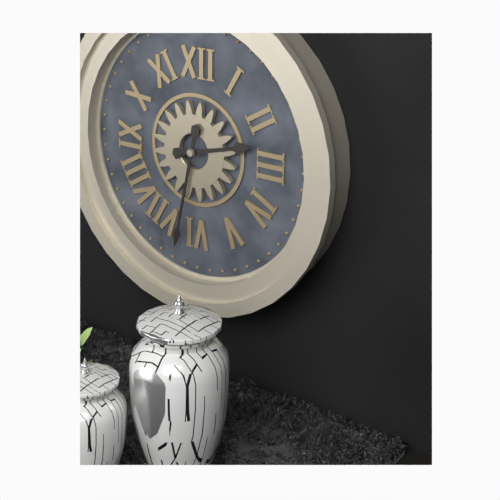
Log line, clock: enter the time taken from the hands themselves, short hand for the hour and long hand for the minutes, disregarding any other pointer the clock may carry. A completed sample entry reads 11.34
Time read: 2.32
